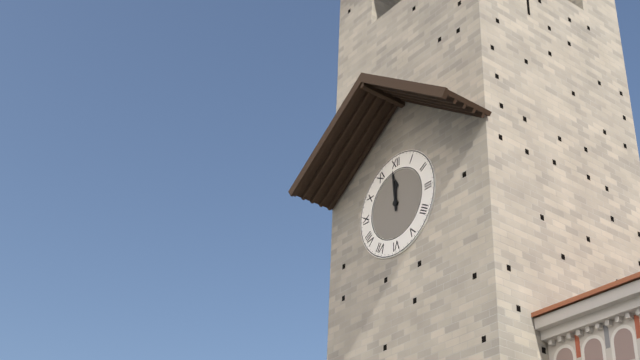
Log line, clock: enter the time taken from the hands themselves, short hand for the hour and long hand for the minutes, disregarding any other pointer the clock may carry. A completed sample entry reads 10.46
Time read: 11.59
